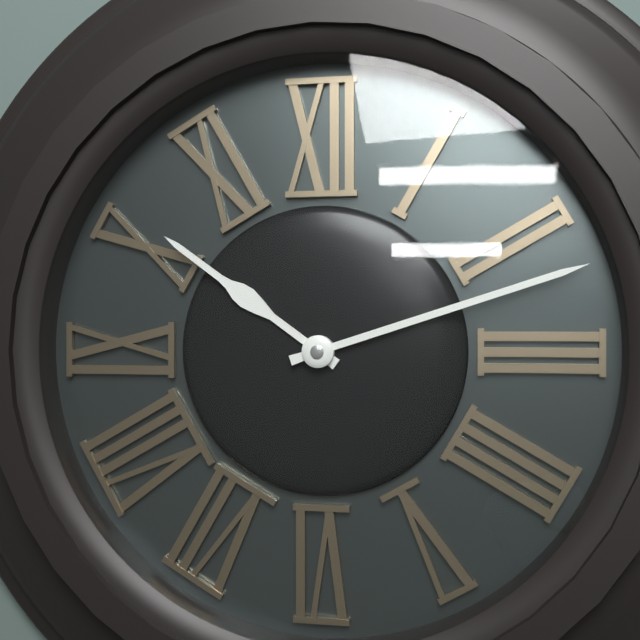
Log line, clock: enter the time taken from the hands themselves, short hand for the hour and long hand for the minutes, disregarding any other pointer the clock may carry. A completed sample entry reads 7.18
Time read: 10.12
